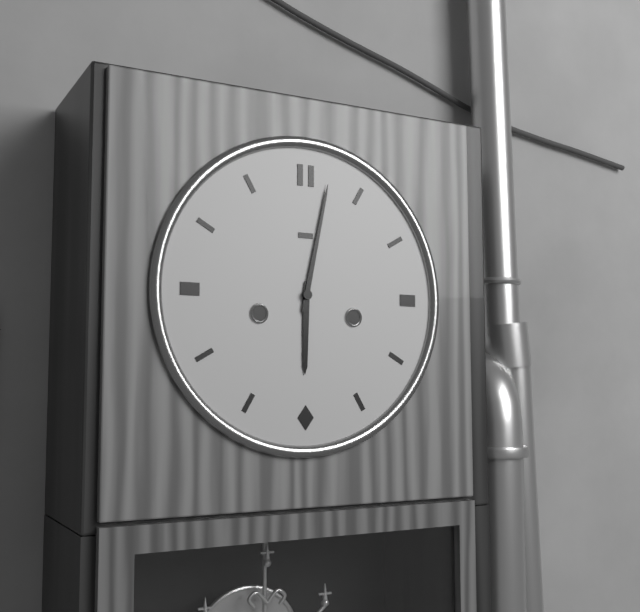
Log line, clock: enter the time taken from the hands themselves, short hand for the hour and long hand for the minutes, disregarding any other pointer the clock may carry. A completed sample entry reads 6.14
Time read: 6.02
